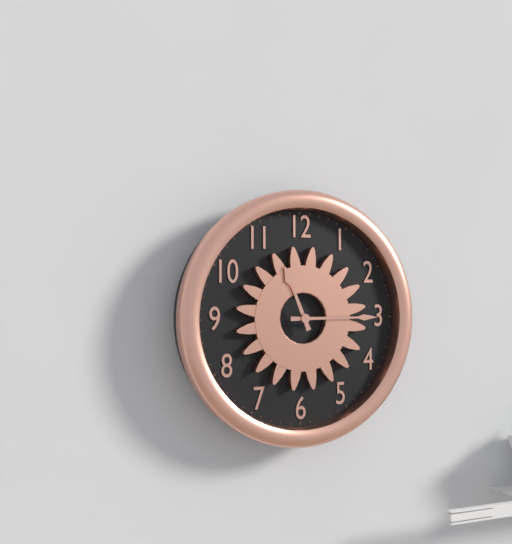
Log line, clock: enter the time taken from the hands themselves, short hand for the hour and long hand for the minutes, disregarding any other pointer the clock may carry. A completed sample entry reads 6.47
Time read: 11.15
